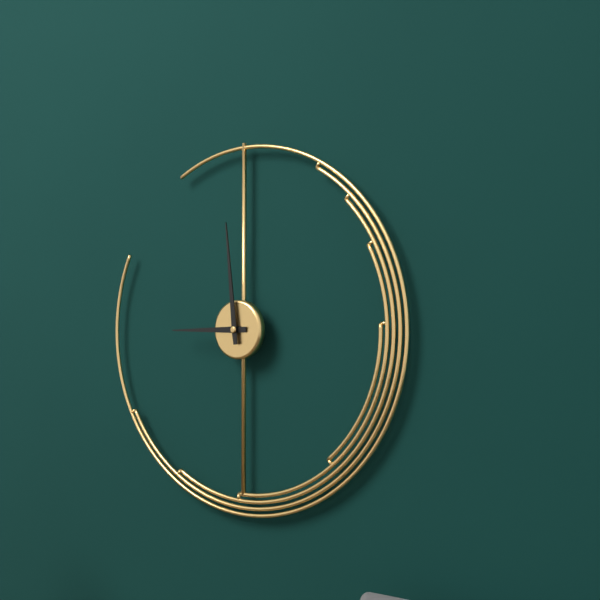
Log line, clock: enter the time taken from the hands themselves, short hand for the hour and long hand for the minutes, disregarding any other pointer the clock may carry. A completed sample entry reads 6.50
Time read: 8.59
